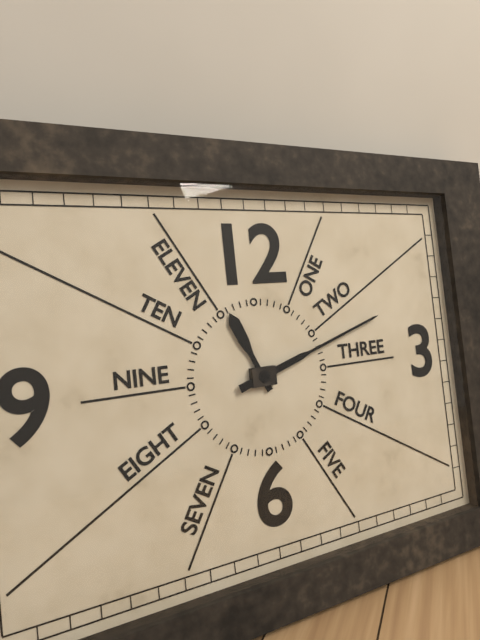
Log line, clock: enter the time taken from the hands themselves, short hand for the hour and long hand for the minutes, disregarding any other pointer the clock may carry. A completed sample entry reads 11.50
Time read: 11.12
